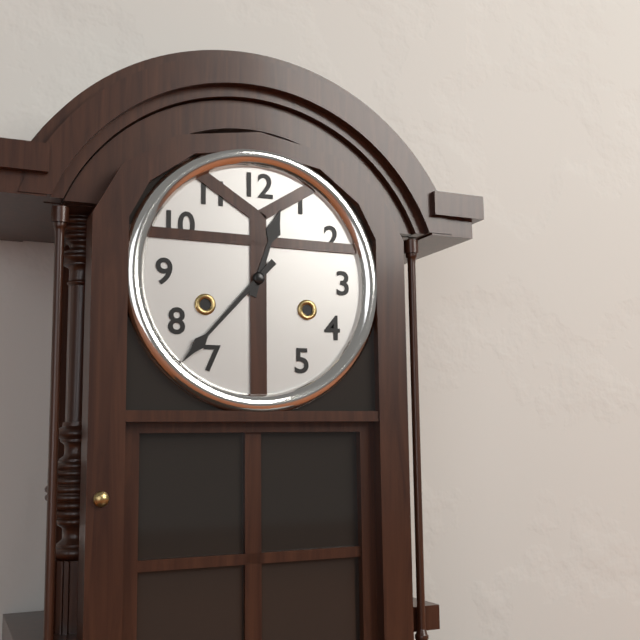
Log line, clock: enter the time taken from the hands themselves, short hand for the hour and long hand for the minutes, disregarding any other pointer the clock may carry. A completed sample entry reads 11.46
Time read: 12.37
